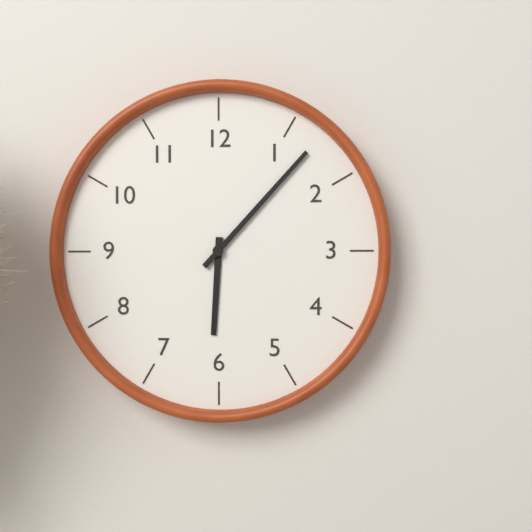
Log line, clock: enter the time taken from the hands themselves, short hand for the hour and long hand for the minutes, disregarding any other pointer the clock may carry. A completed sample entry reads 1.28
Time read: 6.07
